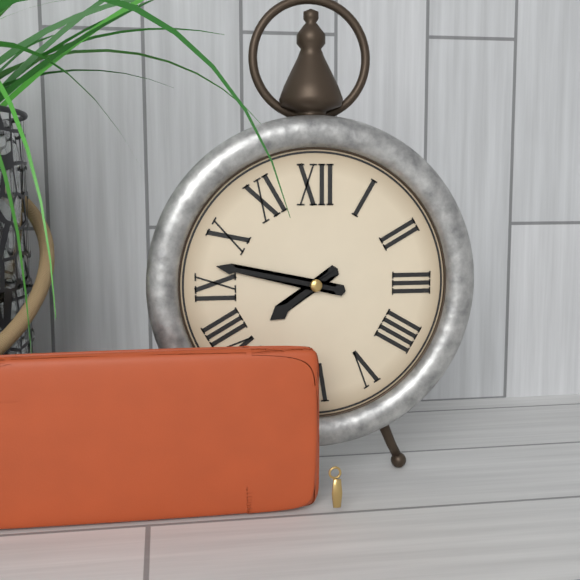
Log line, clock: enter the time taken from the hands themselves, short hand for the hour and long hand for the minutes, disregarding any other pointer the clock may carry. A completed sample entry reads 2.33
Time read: 7.47
